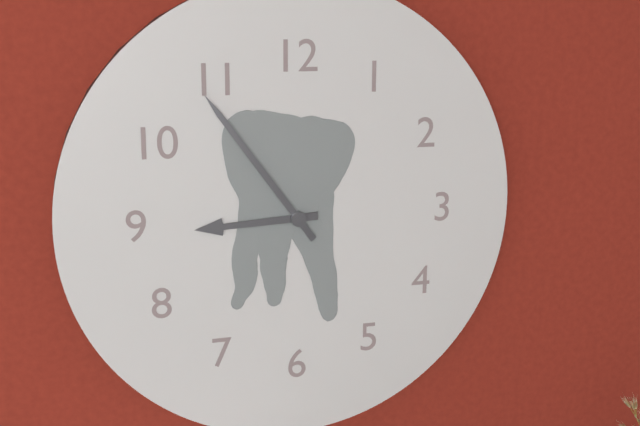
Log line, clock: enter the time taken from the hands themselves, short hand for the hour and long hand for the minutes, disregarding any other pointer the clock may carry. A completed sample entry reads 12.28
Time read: 8.54
